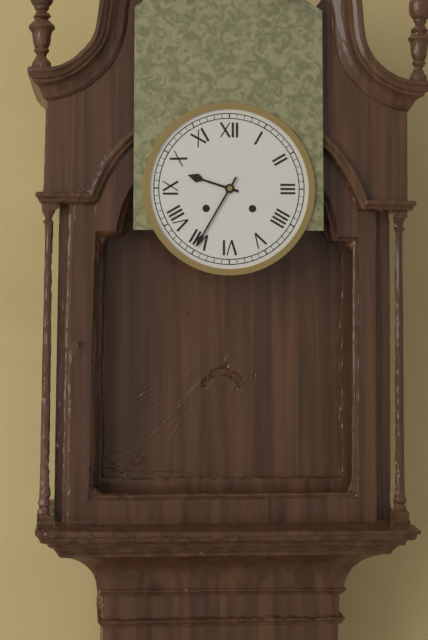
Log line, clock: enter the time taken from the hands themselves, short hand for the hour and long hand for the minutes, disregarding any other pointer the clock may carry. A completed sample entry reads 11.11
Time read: 9.35
